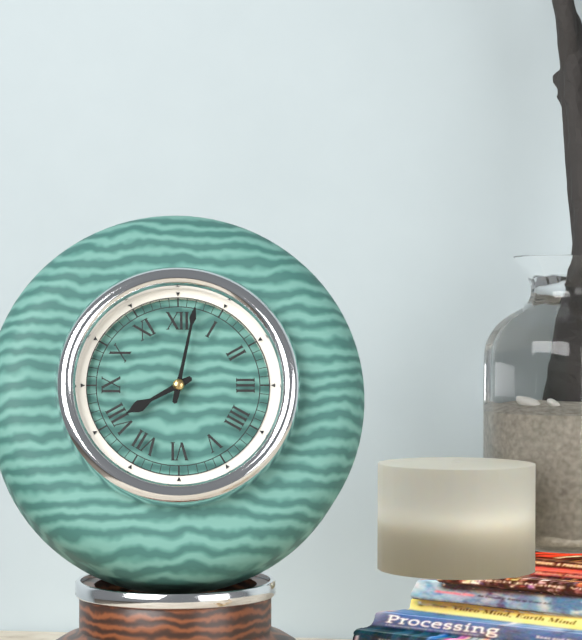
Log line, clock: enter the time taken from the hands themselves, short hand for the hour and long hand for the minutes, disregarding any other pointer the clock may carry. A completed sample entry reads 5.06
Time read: 8.02
